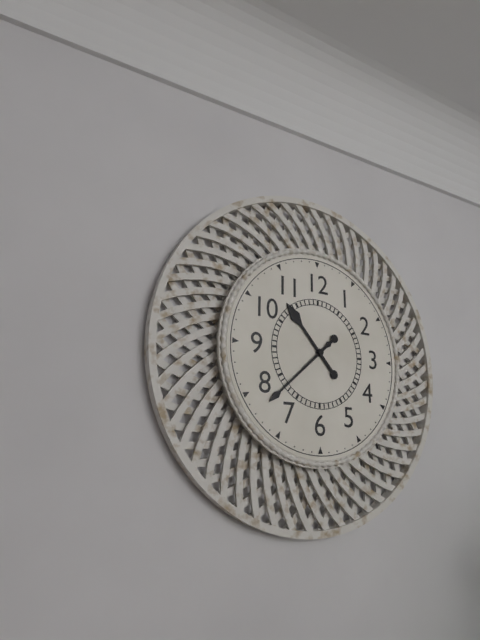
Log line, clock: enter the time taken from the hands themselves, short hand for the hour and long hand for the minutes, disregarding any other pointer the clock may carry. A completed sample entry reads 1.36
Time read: 10.38
